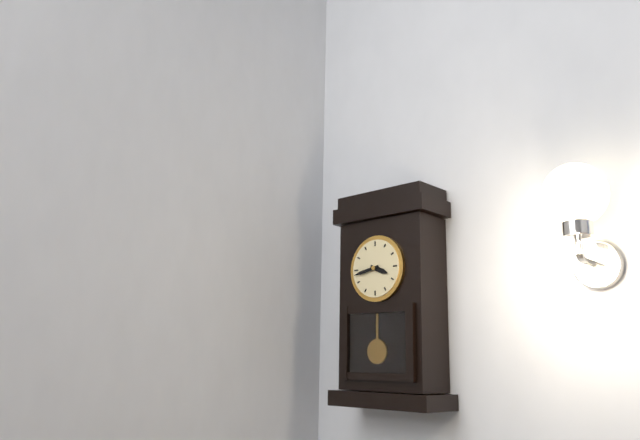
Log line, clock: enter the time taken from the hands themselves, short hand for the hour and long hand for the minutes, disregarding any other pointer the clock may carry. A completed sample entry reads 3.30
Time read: 3.43
